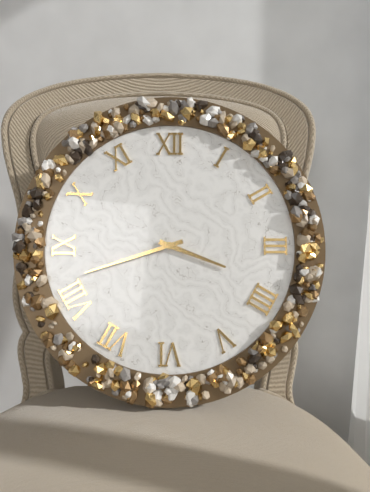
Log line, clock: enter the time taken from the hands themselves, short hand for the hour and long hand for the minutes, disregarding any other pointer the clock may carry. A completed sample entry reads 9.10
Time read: 3.42
